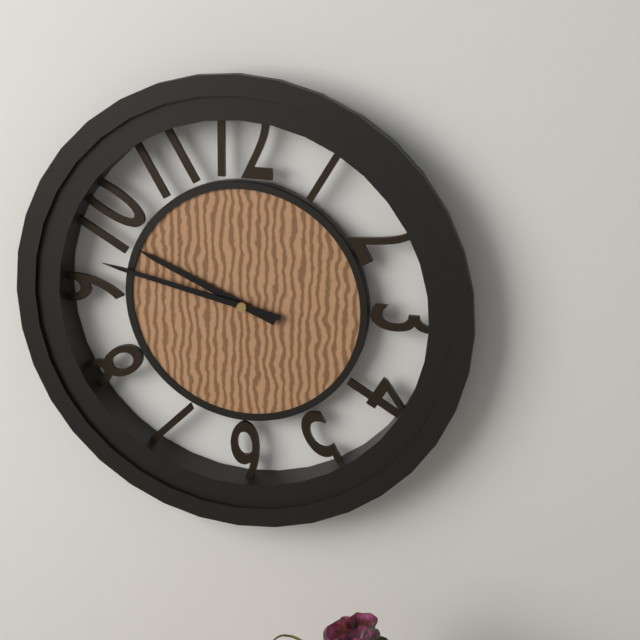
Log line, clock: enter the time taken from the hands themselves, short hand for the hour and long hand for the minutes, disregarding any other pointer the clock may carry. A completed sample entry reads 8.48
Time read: 9.47
